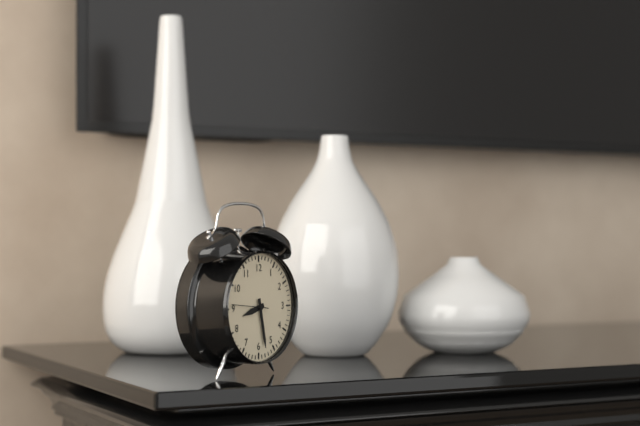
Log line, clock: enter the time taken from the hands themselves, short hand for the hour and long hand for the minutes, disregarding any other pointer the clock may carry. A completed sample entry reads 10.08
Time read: 8.28
